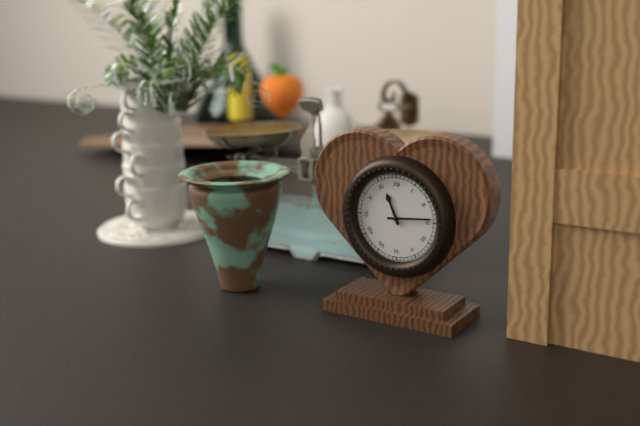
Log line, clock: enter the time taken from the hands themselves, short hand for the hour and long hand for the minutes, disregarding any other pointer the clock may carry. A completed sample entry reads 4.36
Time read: 11.14
